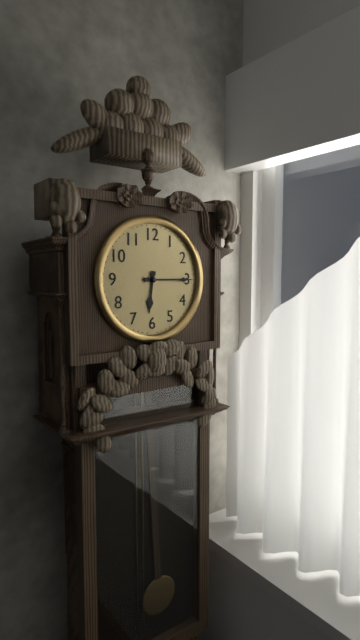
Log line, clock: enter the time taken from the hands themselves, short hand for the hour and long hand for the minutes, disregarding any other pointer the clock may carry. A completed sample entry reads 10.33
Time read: 6.15
